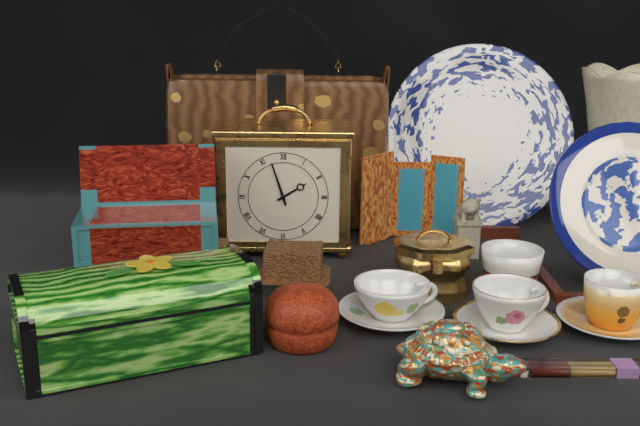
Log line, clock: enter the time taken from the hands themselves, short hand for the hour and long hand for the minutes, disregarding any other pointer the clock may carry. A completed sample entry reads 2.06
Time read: 1.57
